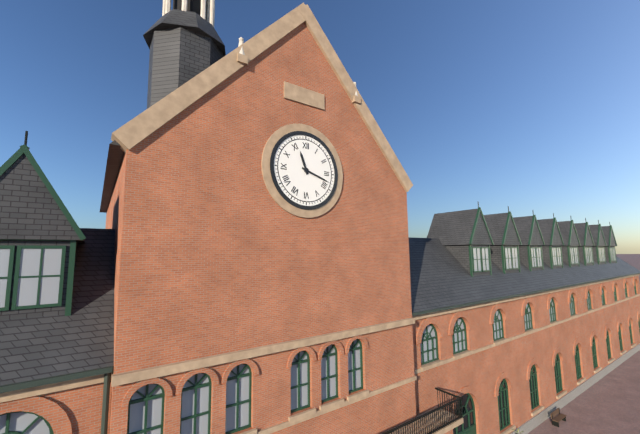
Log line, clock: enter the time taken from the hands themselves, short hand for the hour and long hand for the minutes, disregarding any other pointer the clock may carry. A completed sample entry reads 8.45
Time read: 11.18
